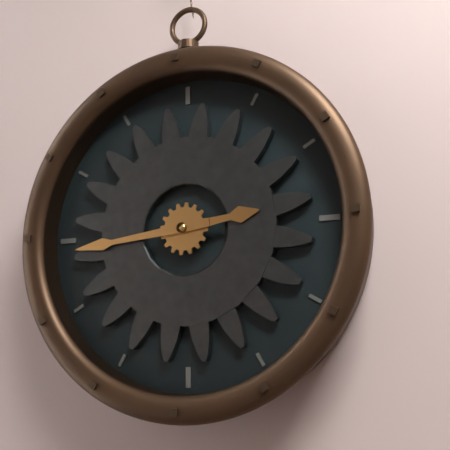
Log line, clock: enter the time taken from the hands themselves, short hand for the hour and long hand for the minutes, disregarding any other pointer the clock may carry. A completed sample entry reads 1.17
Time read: 2.44
